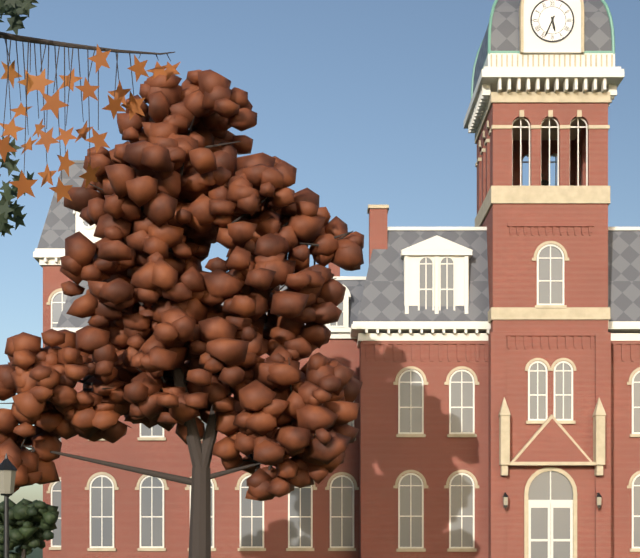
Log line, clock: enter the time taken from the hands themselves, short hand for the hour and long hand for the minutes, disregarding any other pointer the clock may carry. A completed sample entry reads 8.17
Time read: 5.34
